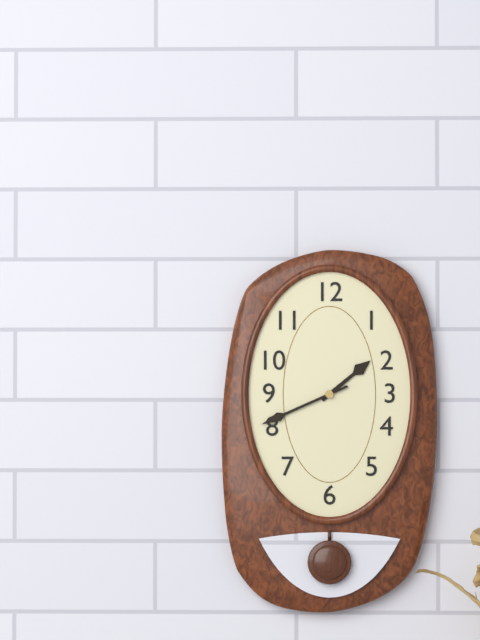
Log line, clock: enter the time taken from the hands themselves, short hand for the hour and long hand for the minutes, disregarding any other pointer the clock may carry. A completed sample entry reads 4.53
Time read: 1.41
